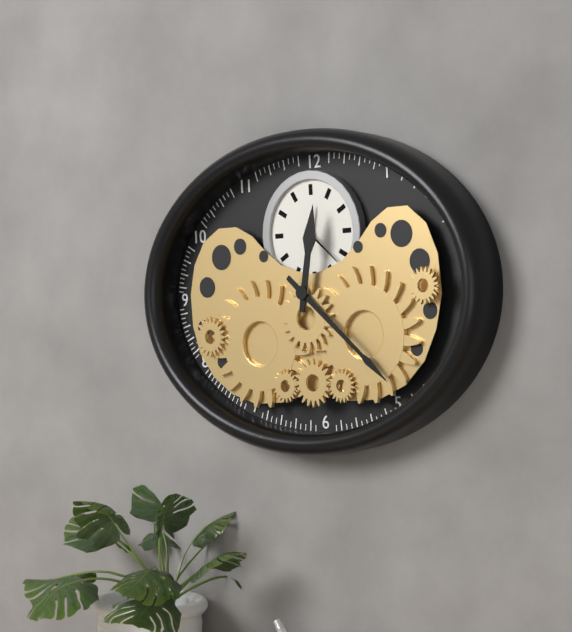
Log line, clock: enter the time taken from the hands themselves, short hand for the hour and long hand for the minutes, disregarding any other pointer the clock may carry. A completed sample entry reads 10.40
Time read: 12.22
